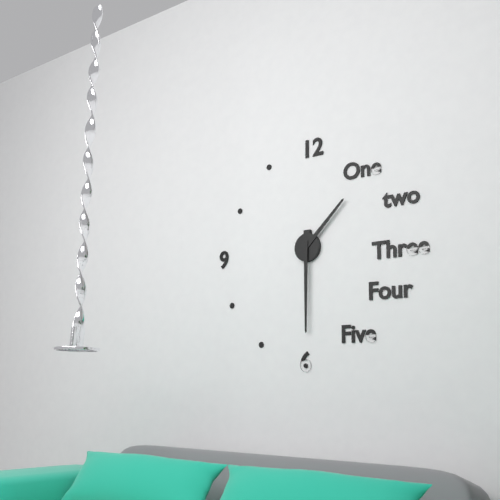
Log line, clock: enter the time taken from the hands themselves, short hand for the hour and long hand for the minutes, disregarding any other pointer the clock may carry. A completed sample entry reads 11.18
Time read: 1.30
